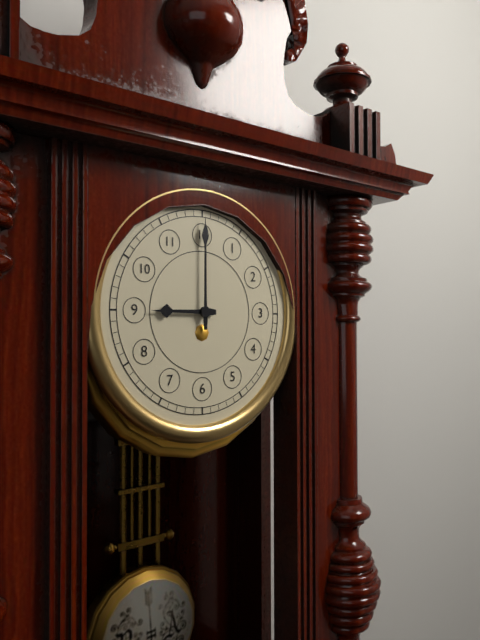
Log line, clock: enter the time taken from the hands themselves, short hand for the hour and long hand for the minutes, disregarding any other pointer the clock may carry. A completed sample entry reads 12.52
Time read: 9.00
